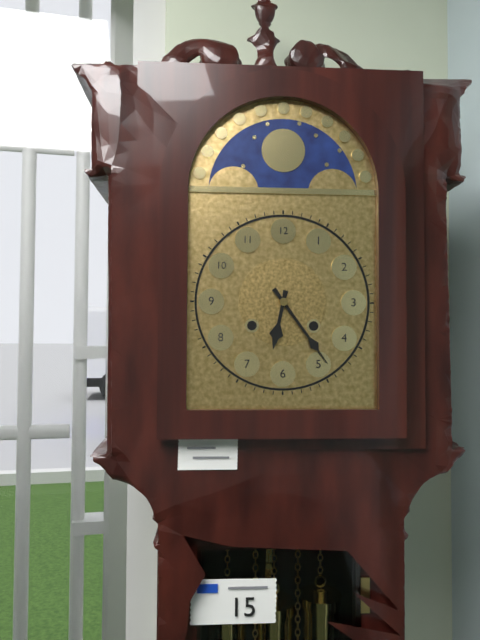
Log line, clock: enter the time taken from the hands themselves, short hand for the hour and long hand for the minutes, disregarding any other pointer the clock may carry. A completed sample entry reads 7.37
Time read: 6.24
